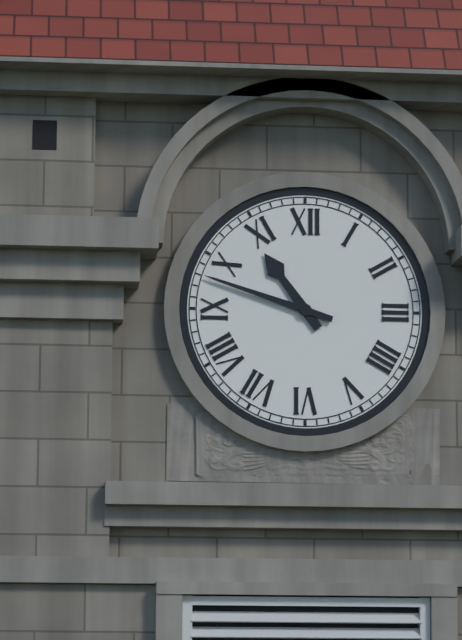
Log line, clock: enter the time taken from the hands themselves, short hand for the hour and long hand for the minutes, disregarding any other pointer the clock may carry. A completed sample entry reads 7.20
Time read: 10.48
